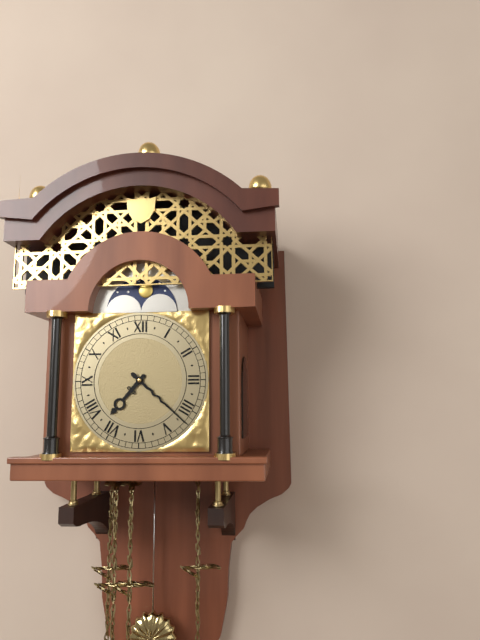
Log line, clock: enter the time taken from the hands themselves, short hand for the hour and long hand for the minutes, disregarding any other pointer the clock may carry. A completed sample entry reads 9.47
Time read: 7.22
